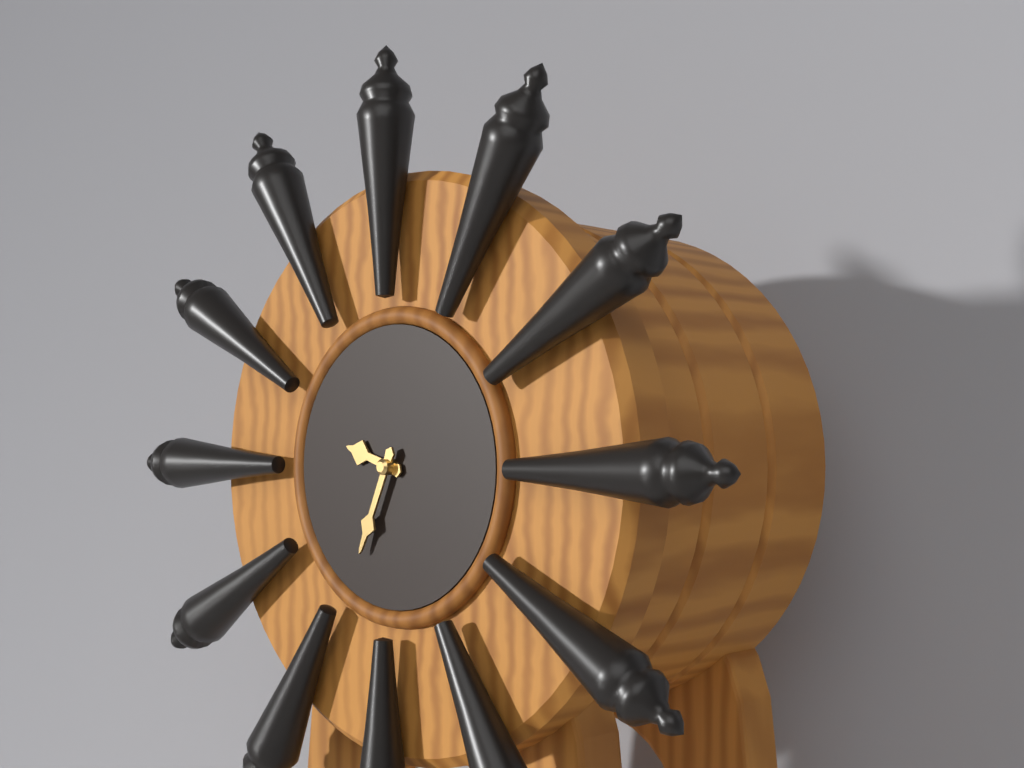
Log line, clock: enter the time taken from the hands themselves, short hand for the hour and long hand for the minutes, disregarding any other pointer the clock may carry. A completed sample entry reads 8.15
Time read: 9.34
